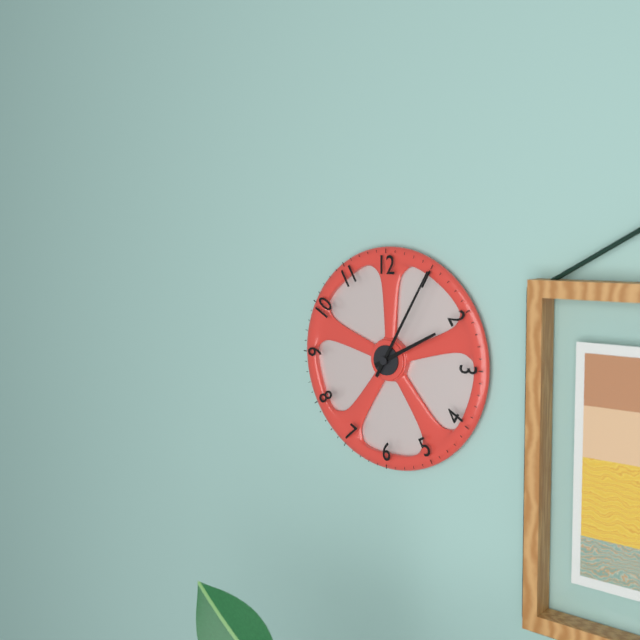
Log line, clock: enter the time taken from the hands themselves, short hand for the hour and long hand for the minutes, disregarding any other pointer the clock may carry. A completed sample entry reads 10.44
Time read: 2.05
